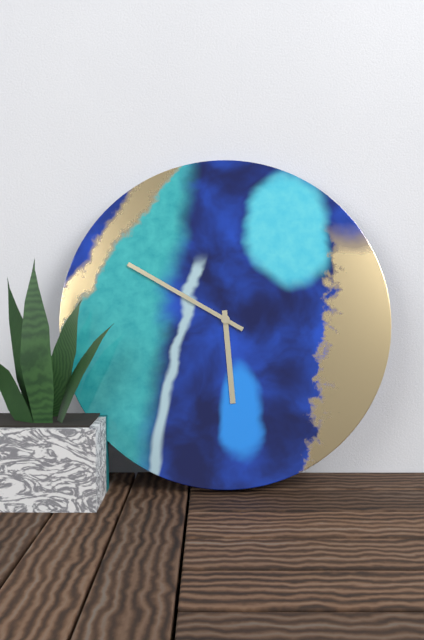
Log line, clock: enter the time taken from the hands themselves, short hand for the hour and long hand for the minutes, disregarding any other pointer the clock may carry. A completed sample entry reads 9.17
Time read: 5.50
